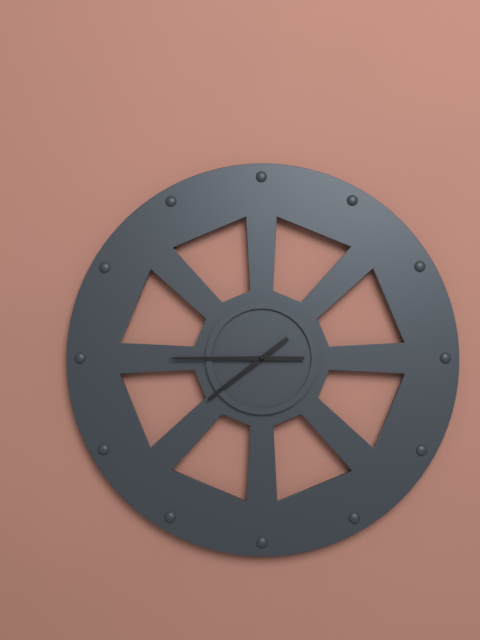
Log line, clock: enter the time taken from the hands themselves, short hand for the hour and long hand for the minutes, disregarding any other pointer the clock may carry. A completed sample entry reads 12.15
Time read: 7.45
